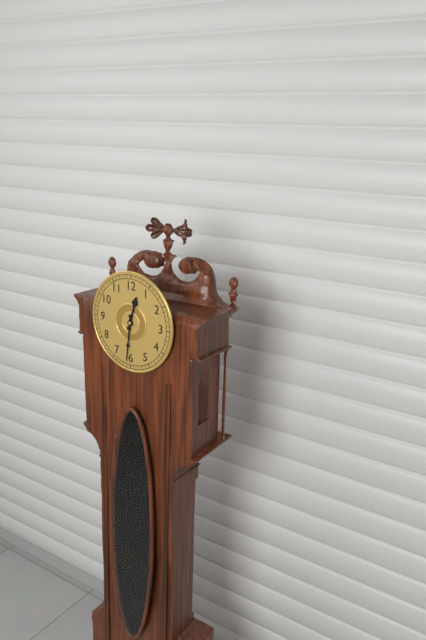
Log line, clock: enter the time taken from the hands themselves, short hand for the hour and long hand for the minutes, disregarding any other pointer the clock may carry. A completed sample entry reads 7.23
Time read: 12.31
